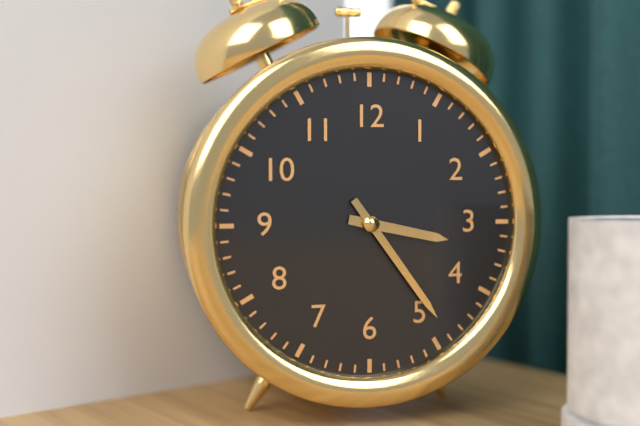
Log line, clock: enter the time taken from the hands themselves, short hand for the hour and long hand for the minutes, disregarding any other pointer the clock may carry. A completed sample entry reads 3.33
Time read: 3.24
